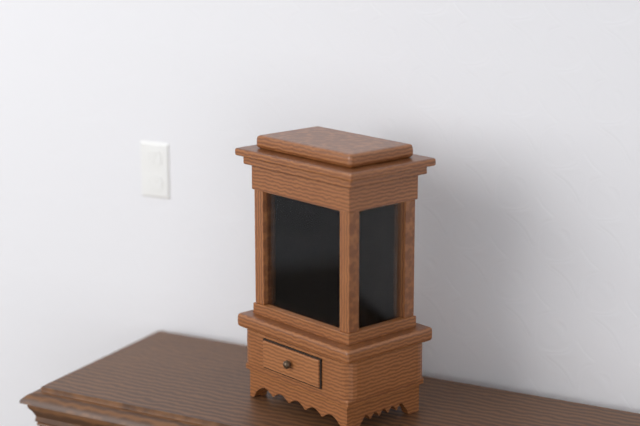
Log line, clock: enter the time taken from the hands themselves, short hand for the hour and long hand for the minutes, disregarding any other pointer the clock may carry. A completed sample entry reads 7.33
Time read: 12.36
